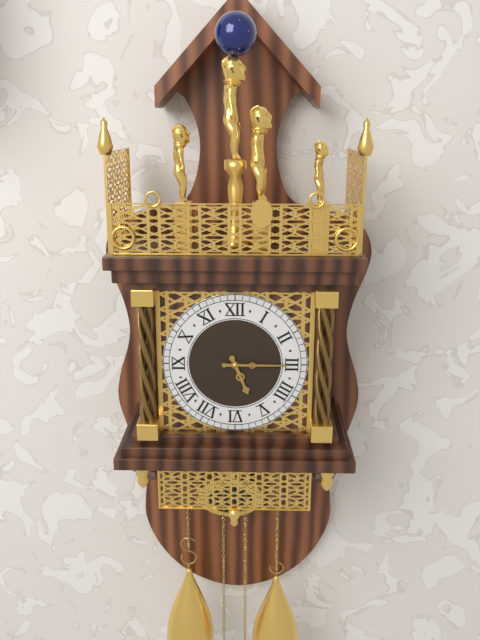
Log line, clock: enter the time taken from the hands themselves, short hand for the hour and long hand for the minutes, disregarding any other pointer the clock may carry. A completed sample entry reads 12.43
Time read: 5.15
